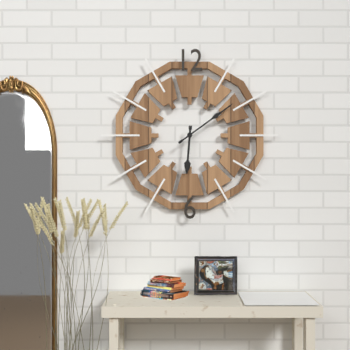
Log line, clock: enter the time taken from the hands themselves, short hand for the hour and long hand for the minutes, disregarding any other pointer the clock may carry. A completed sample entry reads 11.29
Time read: 6.09
